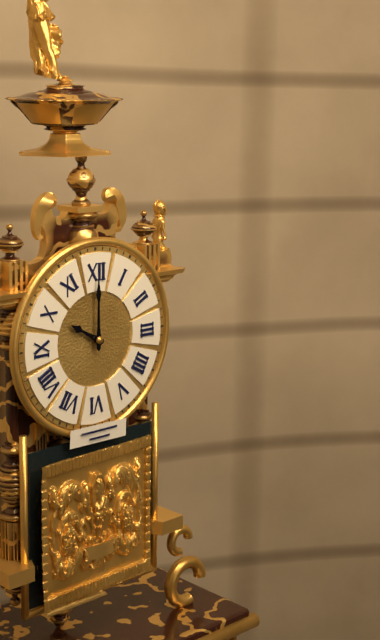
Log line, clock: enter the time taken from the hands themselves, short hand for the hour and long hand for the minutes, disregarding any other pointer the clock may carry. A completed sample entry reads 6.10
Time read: 10.00
